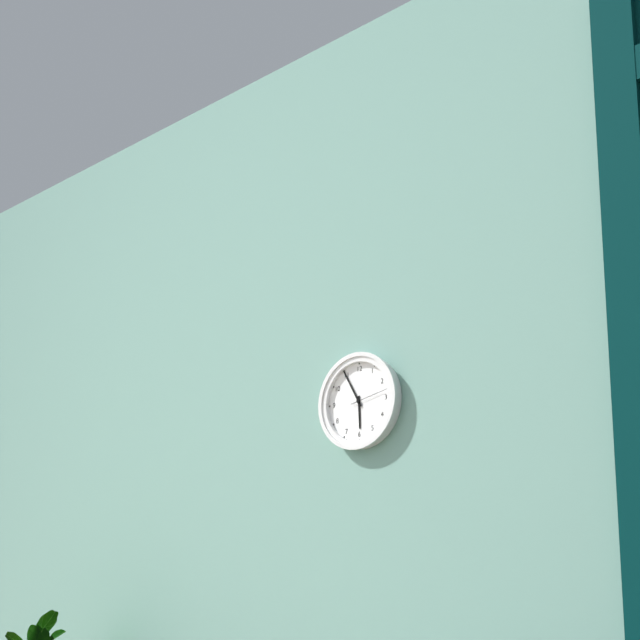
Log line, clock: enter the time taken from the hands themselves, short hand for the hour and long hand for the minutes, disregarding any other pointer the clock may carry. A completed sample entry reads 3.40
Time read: 5.55
